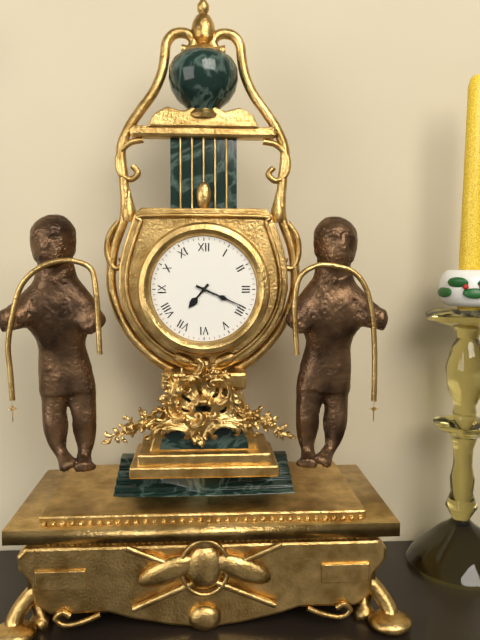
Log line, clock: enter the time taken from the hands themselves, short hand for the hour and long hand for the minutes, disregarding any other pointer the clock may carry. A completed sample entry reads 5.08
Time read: 7.19
